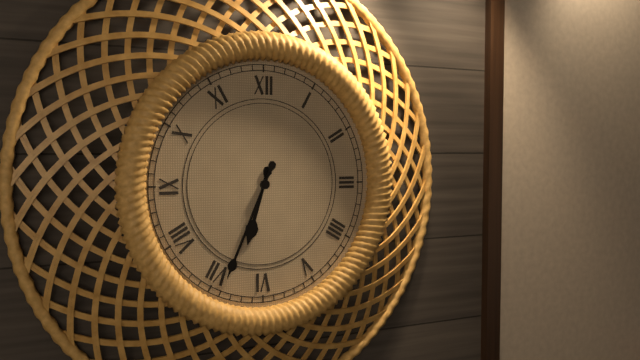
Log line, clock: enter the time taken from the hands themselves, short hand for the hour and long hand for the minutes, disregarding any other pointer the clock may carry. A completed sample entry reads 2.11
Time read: 6.34
